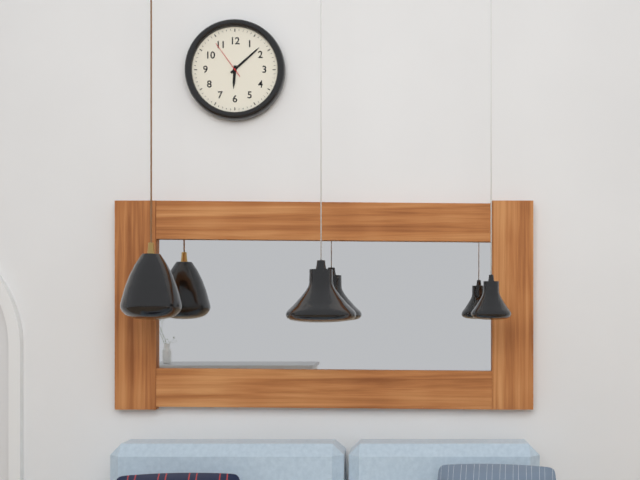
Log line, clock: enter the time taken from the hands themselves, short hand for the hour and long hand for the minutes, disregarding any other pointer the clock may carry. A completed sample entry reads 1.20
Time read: 6.08
